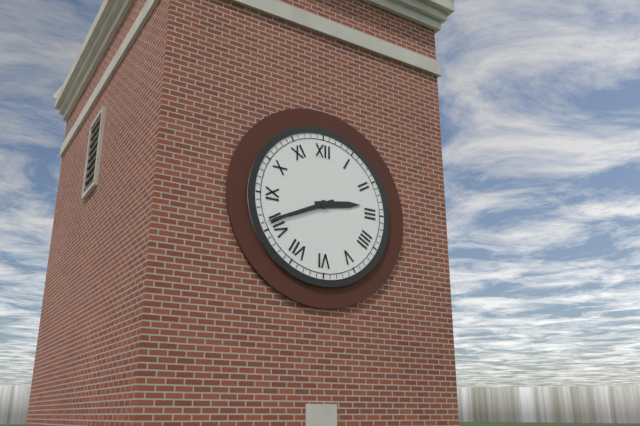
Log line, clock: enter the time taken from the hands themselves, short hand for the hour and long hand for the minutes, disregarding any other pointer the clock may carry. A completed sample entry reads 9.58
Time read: 2.41
